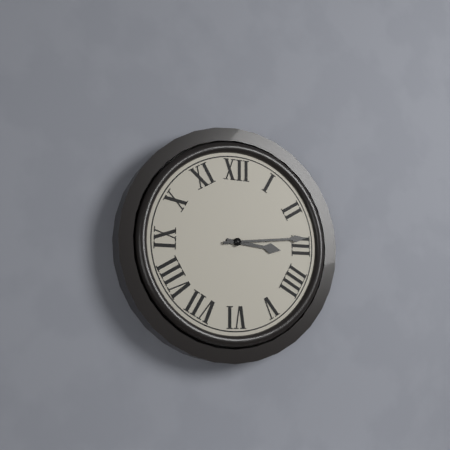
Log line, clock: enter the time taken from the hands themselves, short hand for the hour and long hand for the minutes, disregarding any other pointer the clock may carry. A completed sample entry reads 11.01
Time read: 3.14
